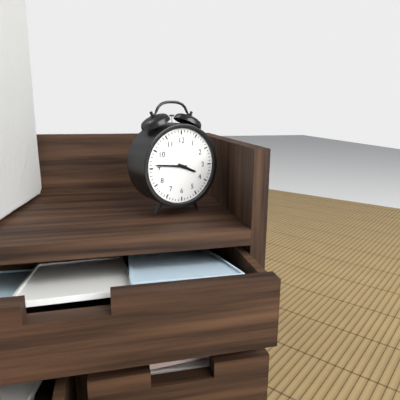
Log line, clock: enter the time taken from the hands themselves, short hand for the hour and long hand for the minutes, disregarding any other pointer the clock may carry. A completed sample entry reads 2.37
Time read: 3.46
